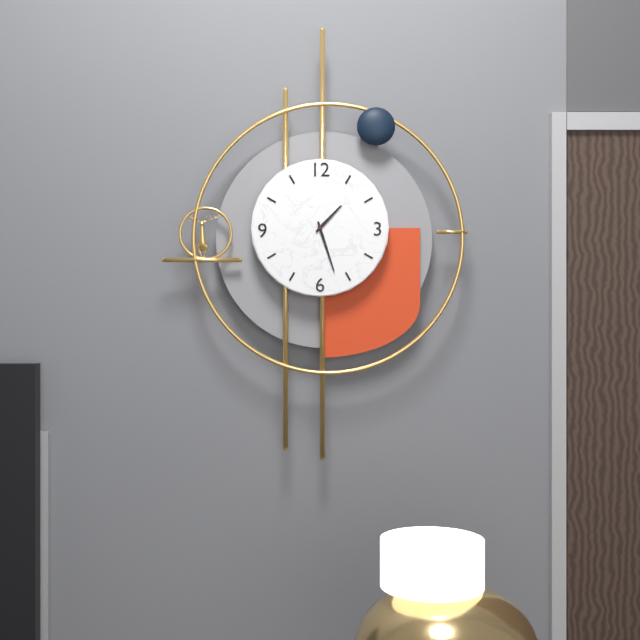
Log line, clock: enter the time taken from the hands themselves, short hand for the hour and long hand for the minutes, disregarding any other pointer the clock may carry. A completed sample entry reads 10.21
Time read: 1.27
